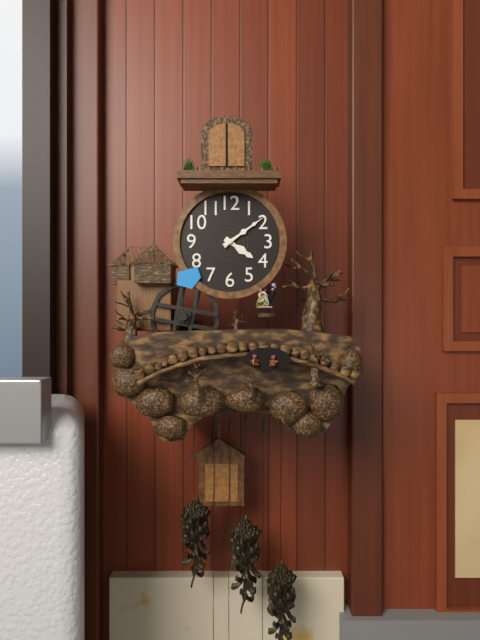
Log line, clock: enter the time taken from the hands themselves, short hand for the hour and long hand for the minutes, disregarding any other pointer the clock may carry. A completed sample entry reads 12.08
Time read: 4.09
